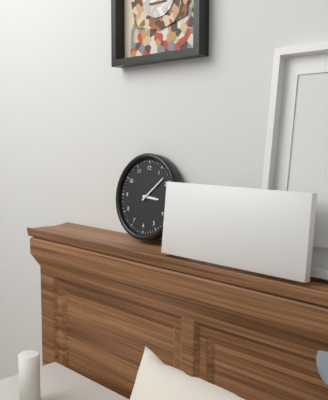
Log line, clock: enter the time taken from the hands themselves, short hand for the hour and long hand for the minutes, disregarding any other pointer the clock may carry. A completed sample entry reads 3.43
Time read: 3.08
